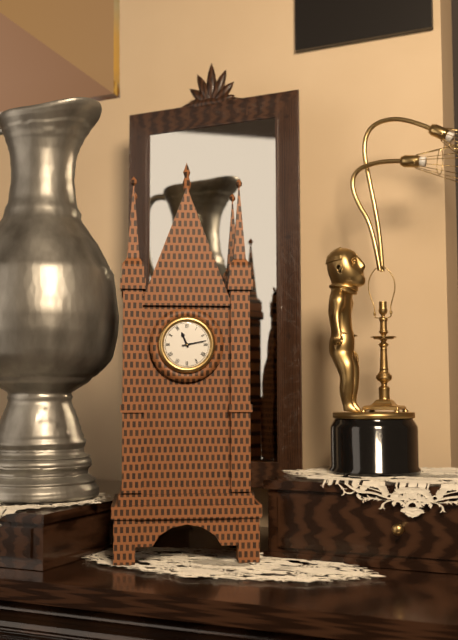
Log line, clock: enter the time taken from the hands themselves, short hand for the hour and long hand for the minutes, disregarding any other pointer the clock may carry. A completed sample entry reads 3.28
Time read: 11.13
